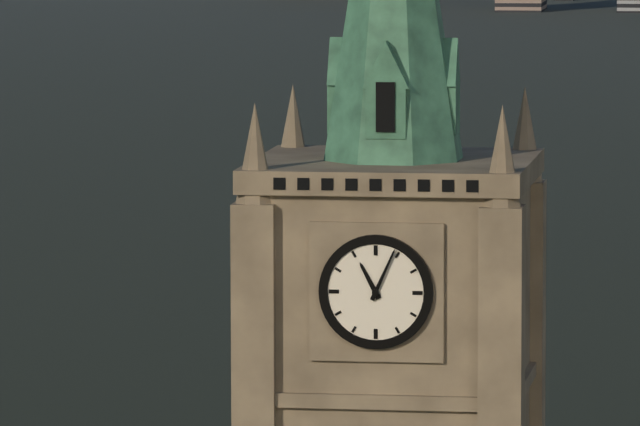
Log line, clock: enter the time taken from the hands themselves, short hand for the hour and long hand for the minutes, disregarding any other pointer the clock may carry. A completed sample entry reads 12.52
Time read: 11.04
